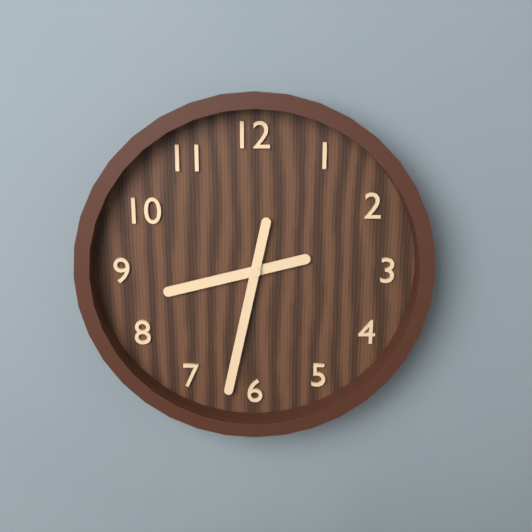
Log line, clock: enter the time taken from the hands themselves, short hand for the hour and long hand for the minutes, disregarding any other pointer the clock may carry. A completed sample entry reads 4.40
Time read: 8.32
